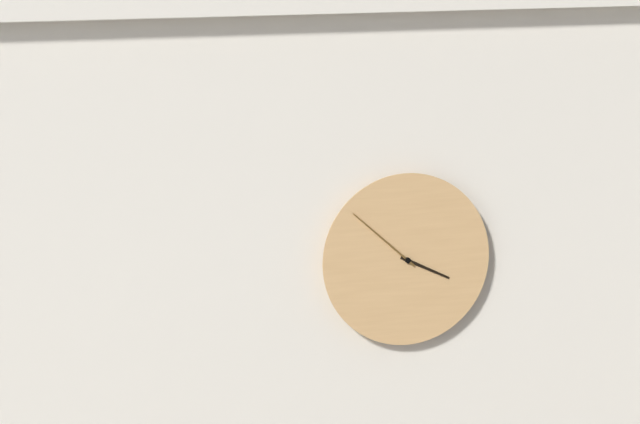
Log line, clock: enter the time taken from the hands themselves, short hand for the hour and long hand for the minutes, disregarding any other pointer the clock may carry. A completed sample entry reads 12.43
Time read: 3.52
